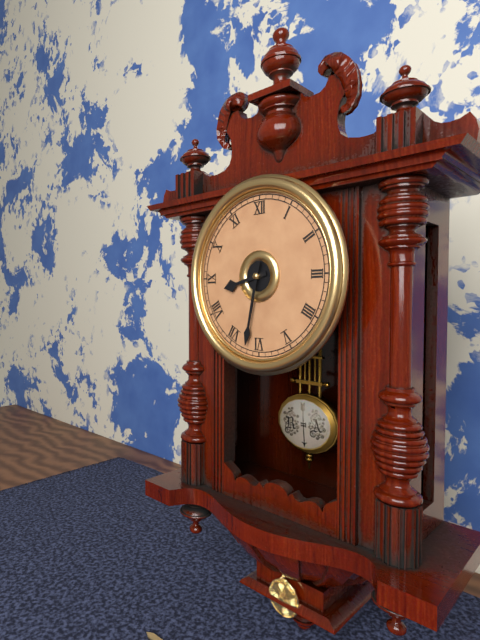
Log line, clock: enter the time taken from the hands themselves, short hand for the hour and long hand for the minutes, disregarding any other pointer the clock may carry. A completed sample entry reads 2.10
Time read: 8.32
